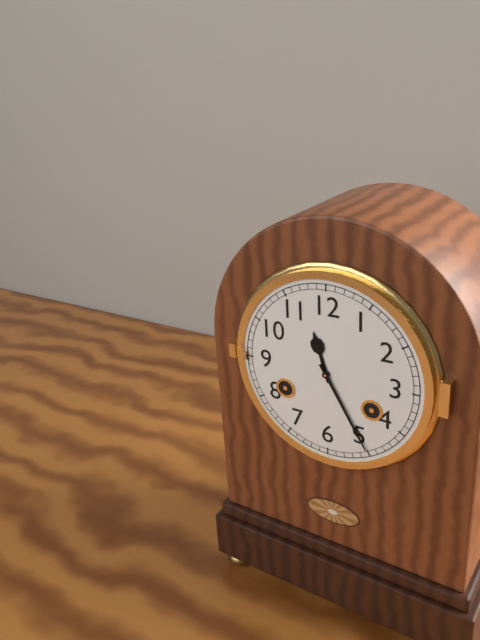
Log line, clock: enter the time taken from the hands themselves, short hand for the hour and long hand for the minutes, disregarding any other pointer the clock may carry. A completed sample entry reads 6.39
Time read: 11.25
